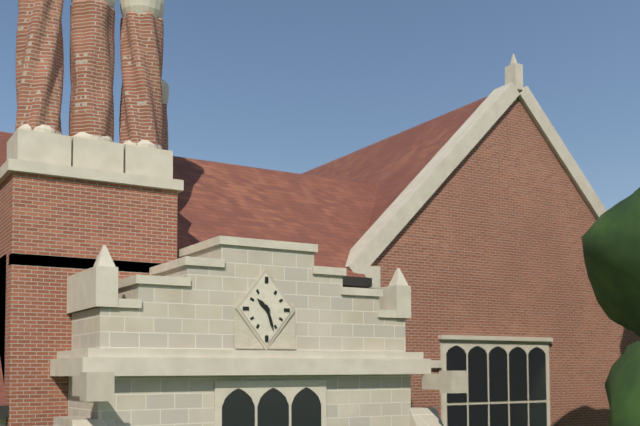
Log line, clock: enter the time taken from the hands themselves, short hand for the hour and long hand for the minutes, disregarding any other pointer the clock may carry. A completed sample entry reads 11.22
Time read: 10.27
